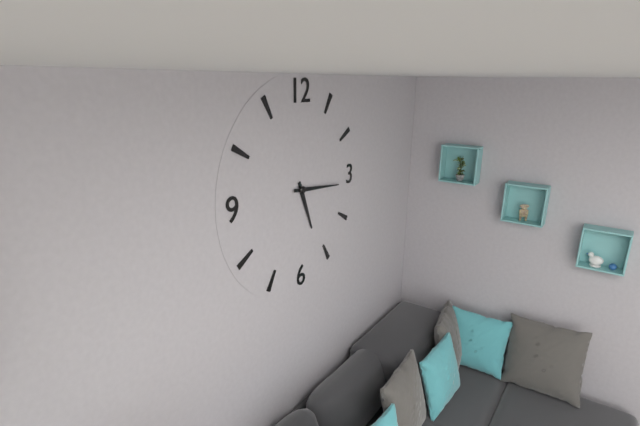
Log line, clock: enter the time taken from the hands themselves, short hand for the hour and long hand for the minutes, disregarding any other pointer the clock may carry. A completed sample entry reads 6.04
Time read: 5.16
